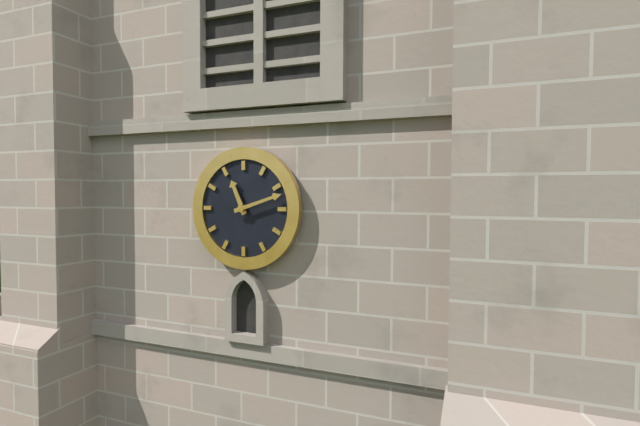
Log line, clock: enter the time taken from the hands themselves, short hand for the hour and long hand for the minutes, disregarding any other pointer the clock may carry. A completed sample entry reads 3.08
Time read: 11.12
